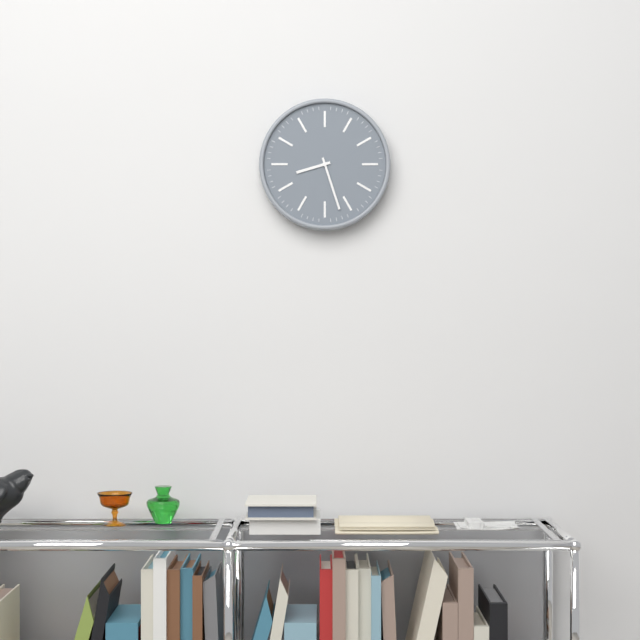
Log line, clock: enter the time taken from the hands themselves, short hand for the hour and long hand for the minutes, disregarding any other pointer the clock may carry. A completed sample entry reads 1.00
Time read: 8.27
